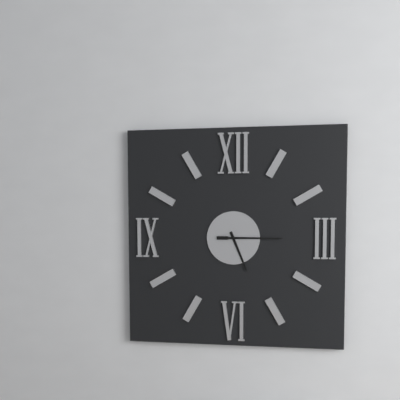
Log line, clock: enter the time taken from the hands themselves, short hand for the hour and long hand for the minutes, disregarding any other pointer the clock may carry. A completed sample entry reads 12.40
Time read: 5.15
